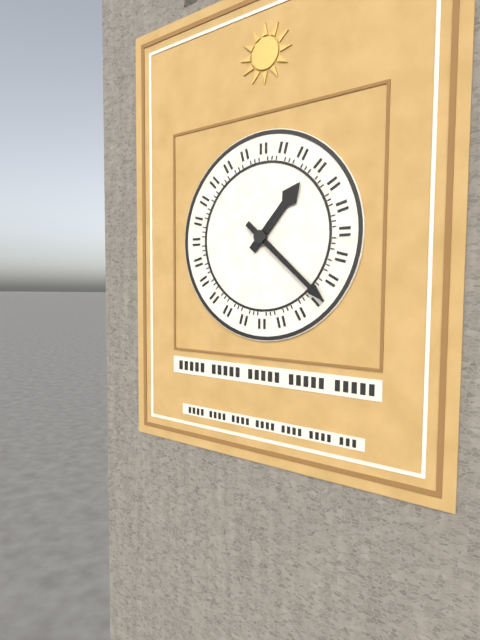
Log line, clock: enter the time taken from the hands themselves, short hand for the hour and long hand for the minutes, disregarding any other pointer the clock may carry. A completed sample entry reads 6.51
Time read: 1.22
